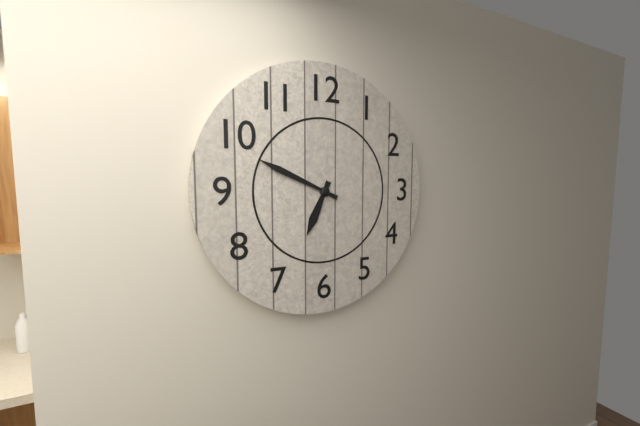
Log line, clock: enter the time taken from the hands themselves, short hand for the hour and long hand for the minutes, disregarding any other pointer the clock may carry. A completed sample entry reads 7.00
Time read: 6.49
